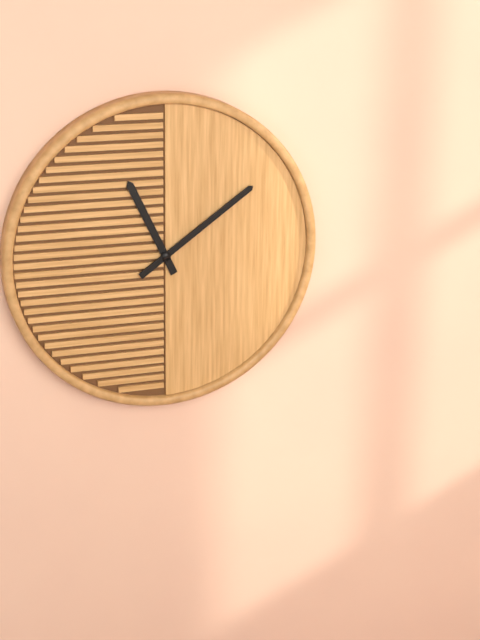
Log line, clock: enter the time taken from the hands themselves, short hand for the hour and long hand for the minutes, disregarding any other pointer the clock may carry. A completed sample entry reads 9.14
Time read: 11.09
